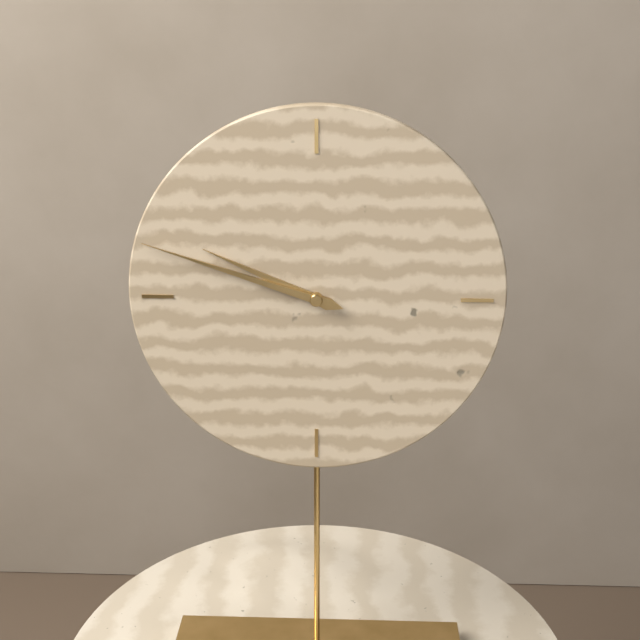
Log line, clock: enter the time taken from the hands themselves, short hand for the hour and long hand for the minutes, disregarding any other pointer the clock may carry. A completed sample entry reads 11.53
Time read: 9.48
